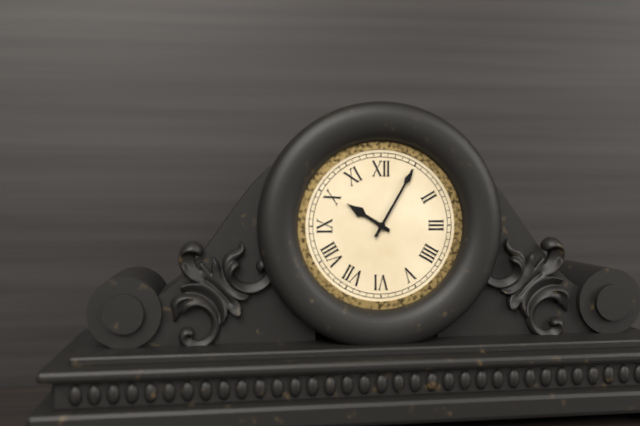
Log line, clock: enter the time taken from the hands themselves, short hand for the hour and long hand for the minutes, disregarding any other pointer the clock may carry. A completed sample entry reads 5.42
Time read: 10.05
